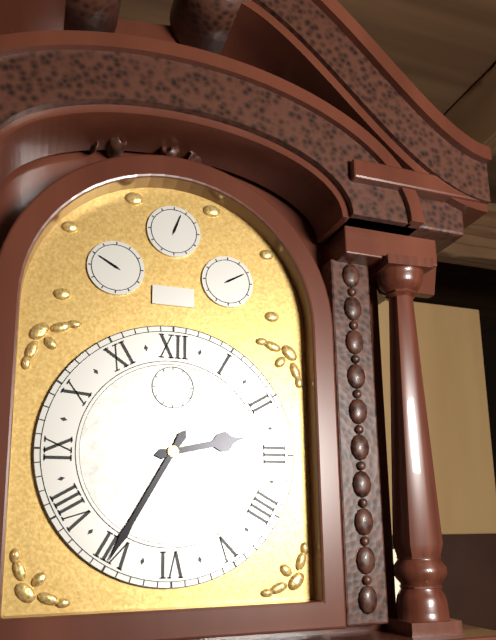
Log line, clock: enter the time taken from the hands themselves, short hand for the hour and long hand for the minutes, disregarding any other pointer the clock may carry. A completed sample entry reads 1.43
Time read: 2.35
